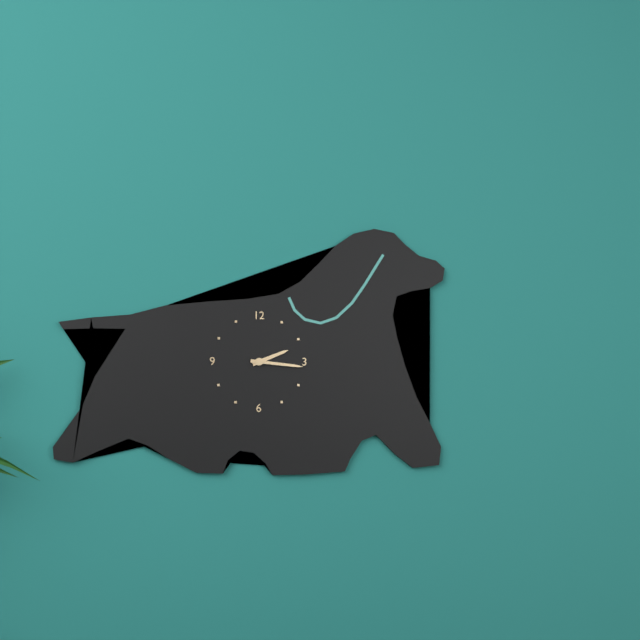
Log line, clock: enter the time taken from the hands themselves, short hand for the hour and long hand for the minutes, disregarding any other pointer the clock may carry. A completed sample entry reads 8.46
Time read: 2.16
